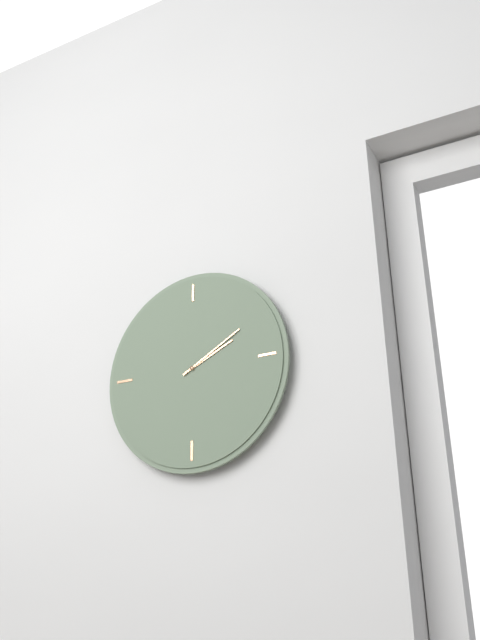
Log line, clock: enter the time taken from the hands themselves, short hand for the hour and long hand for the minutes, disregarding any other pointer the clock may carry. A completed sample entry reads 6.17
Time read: 2.10
